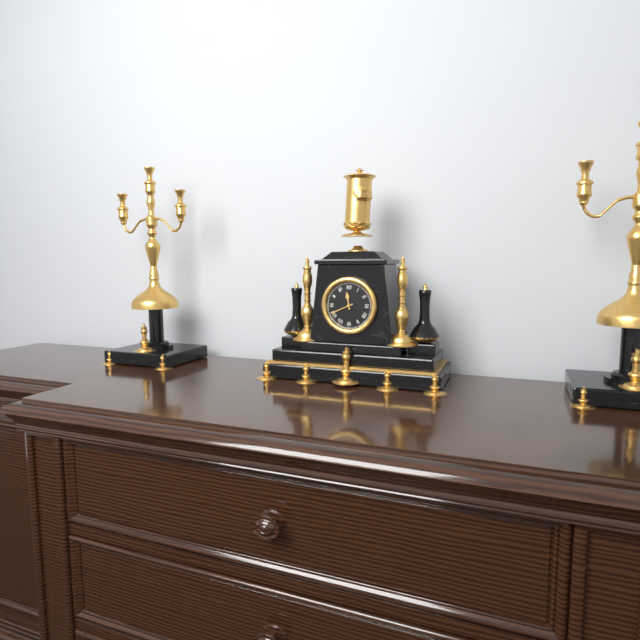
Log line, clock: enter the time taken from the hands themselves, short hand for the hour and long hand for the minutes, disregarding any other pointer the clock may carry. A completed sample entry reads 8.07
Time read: 11.41
